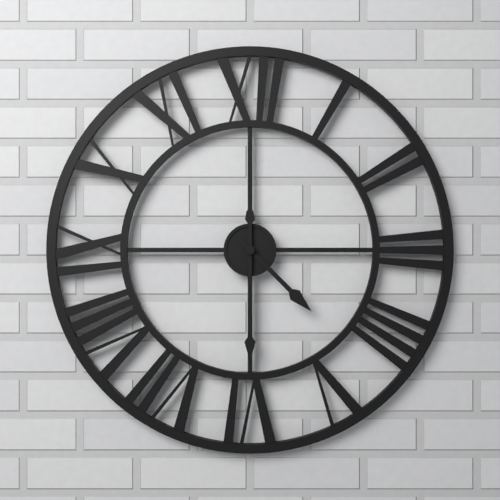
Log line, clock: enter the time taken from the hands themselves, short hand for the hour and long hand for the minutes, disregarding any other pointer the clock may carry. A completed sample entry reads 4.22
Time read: 4.30
